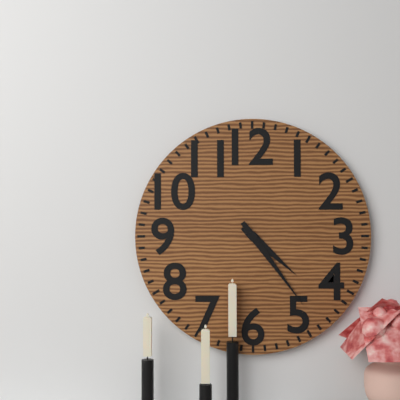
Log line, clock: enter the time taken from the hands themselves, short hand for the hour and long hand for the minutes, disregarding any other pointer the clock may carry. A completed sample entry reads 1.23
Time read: 4.24
